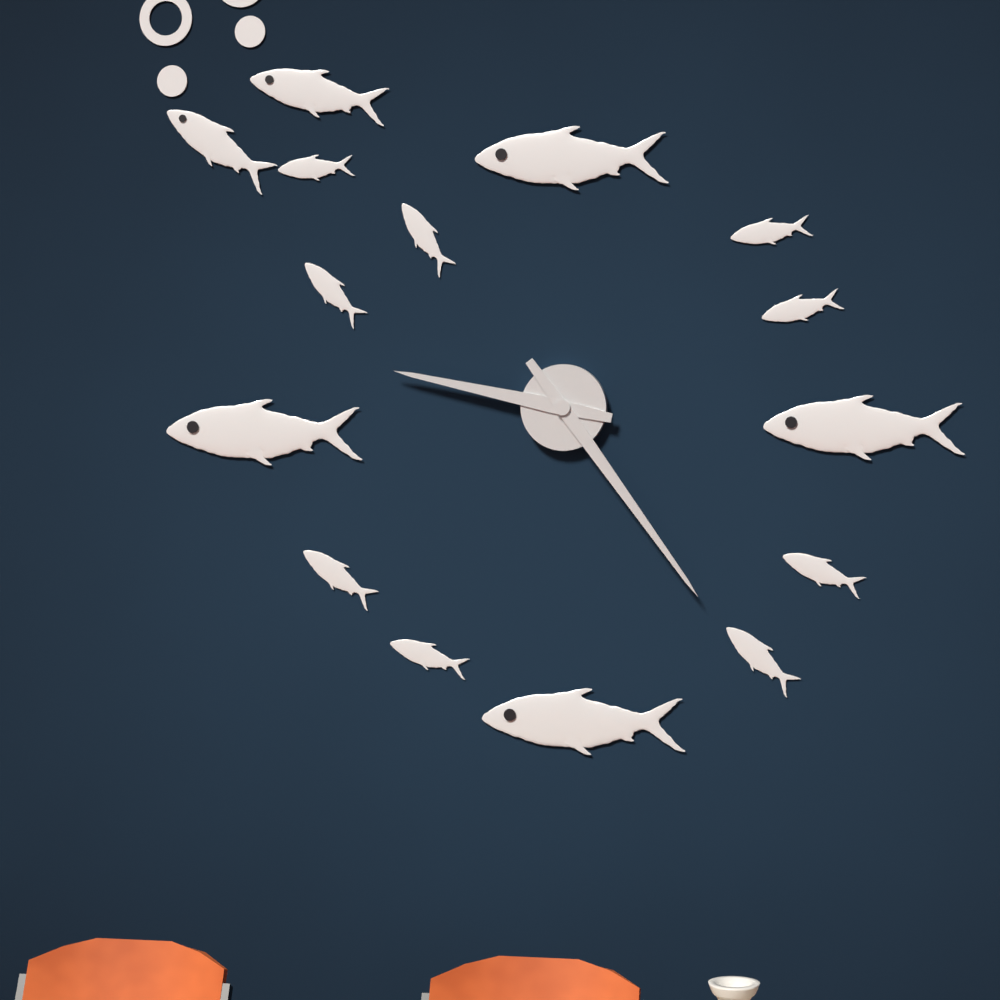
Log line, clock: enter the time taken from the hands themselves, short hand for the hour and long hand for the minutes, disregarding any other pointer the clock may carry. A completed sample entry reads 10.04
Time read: 9.24
